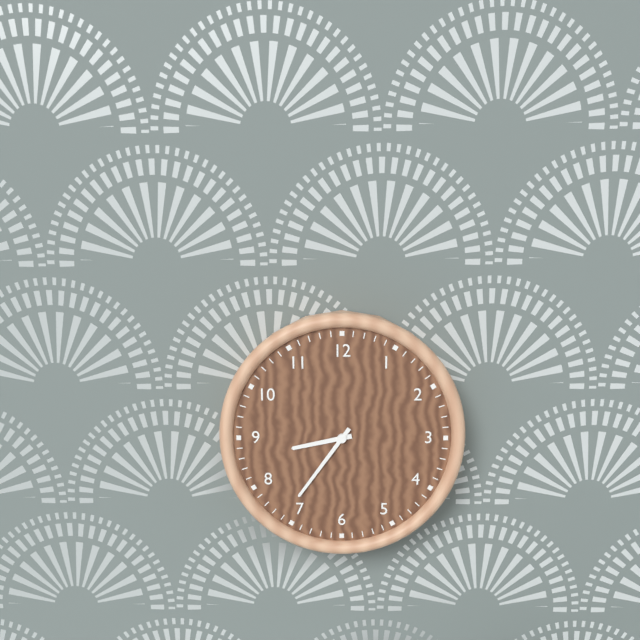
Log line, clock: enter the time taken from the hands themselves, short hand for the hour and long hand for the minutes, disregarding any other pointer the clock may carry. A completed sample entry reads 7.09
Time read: 8.36
